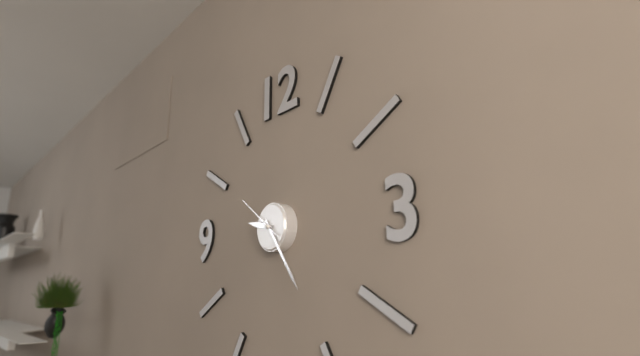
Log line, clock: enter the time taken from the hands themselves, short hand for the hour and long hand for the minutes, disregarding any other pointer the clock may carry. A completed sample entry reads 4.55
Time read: 9.24
